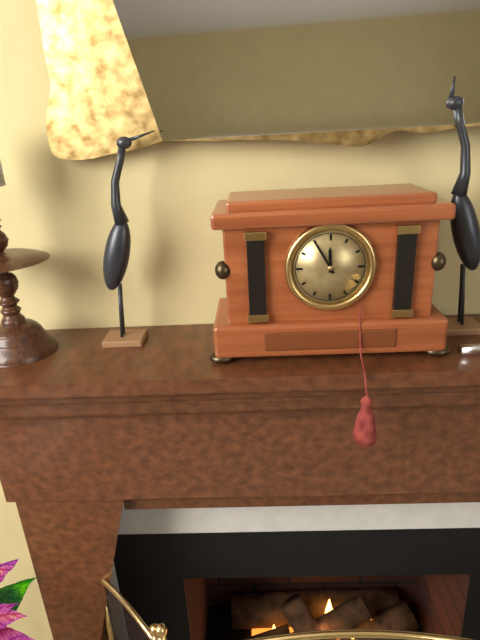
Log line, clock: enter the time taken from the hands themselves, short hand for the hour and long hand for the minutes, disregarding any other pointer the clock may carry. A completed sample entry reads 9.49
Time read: 11.55
